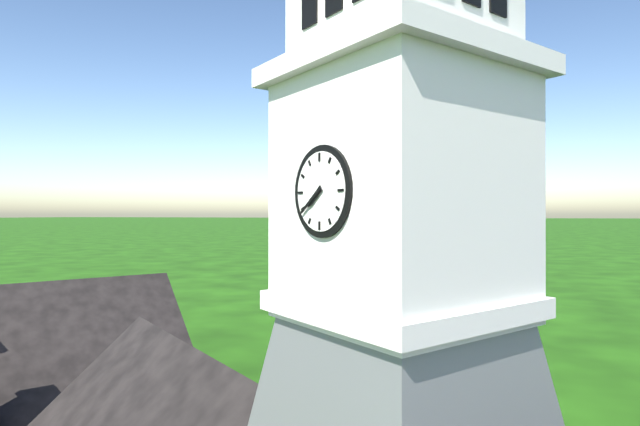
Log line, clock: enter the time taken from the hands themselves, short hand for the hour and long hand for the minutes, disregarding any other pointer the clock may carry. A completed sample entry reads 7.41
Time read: 7.39
